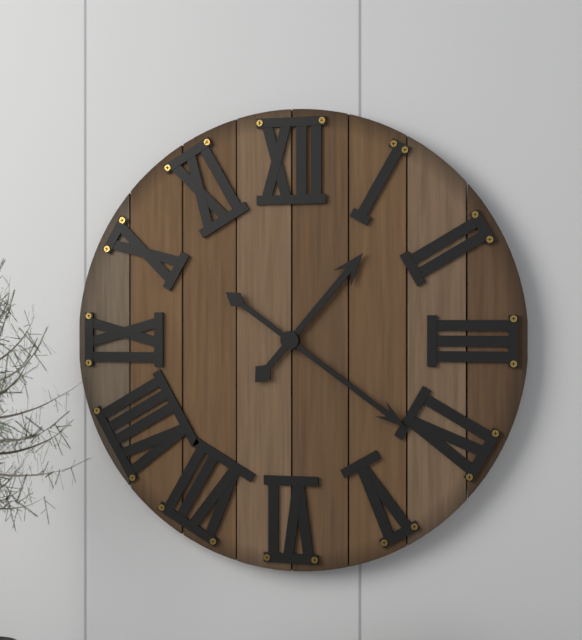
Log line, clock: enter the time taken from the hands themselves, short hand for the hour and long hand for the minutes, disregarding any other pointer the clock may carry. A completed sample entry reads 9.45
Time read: 1.21
